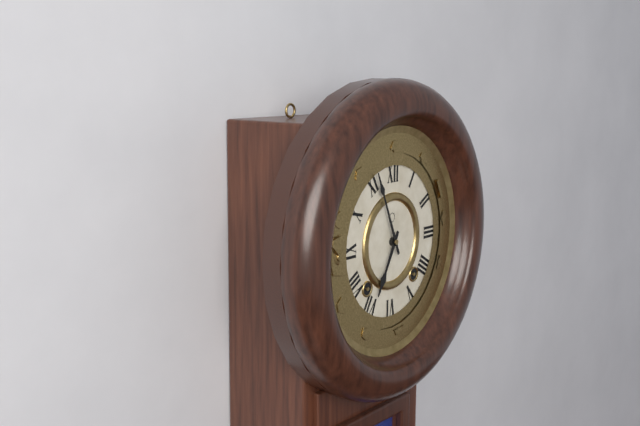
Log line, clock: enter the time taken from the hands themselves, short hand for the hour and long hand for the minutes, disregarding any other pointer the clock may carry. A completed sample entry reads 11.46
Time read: 6.56
